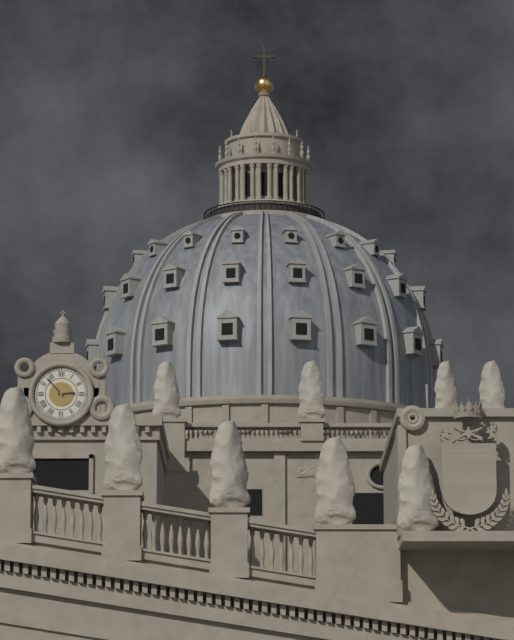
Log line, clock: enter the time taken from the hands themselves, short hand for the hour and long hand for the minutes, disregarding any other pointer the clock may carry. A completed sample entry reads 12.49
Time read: 2.53
